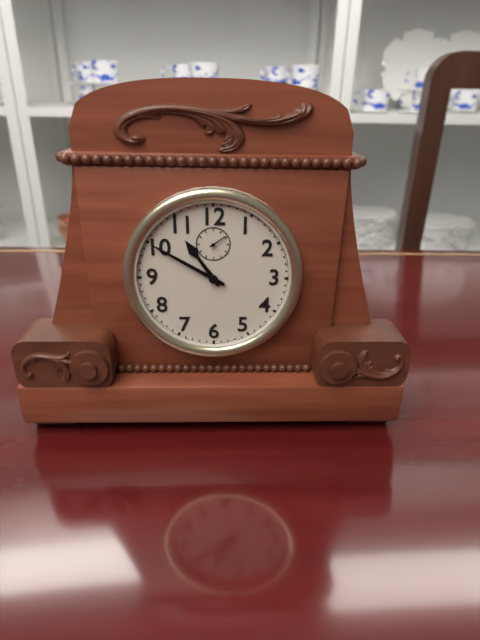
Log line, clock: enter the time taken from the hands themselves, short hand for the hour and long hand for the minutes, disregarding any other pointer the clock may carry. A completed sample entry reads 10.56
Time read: 10.50
